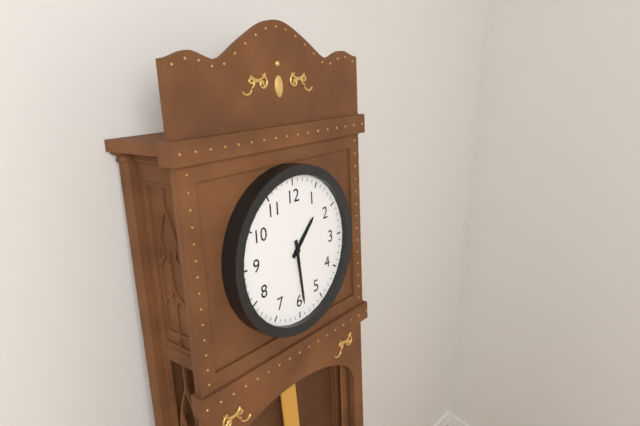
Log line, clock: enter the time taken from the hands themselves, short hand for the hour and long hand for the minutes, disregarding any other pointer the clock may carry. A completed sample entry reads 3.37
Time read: 1.29
